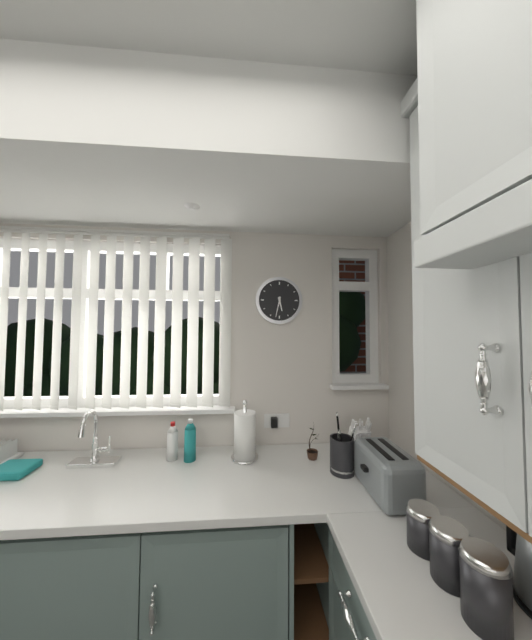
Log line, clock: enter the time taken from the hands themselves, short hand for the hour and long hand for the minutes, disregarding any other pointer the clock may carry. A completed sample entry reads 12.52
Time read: 5.32
